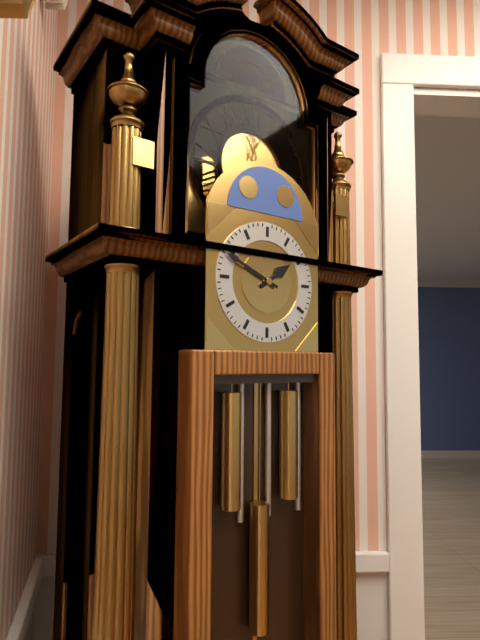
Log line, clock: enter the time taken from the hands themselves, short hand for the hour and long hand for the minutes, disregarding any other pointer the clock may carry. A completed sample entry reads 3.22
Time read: 1.49
